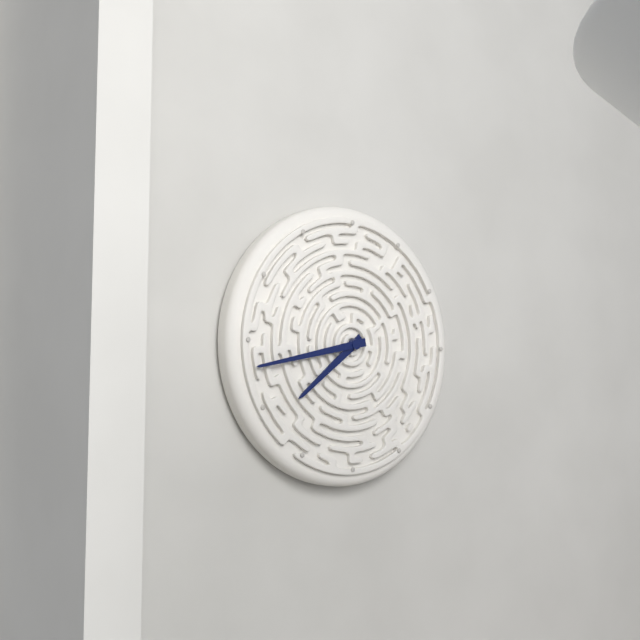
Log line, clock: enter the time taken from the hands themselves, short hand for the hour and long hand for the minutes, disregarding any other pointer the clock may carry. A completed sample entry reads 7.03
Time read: 7.43
